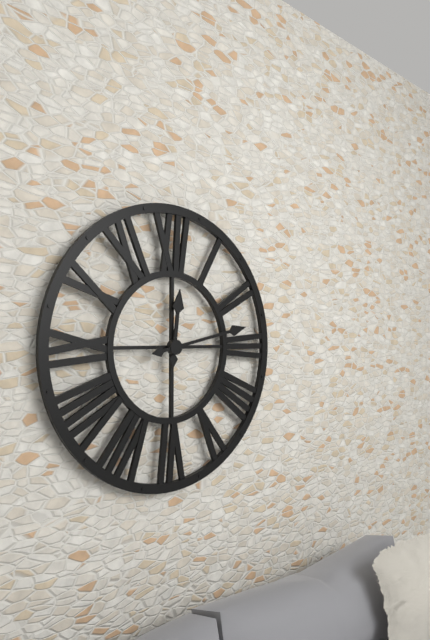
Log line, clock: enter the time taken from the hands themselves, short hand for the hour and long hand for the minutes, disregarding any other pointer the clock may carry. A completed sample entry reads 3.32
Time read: 12.13
